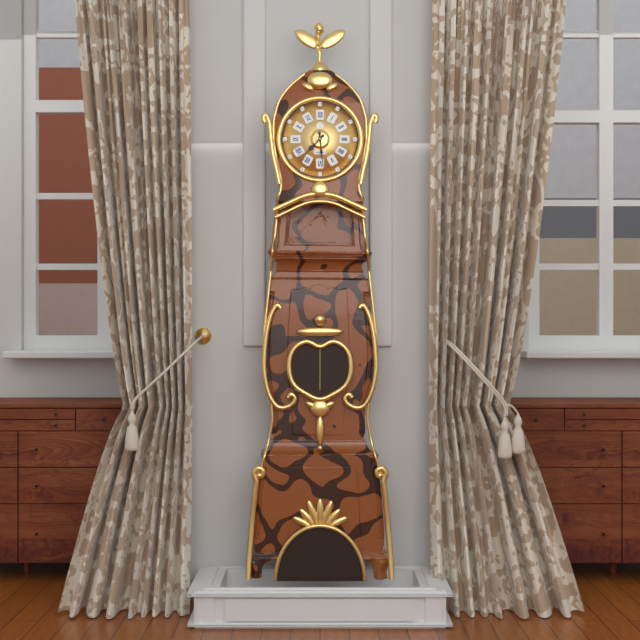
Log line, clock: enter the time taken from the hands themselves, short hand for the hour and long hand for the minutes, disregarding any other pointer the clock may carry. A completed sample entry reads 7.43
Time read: 7.29
